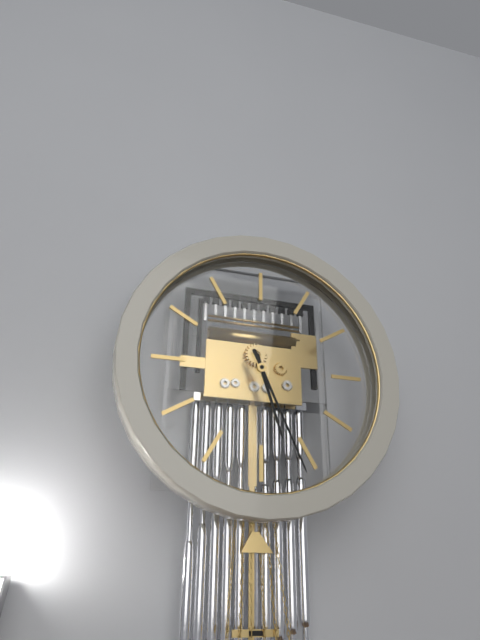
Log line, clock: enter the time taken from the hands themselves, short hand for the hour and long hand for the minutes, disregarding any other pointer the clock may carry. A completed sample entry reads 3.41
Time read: 5.26
